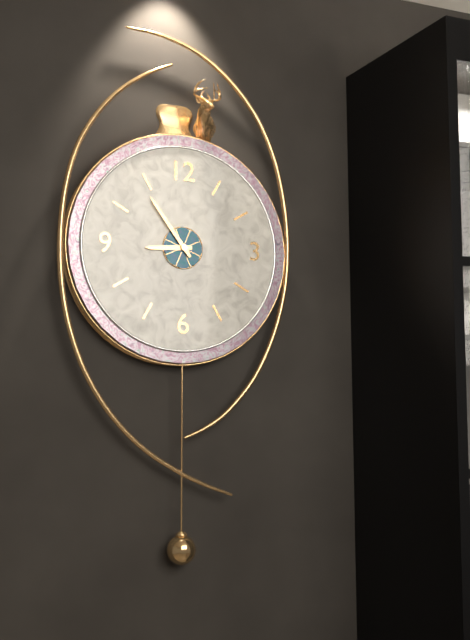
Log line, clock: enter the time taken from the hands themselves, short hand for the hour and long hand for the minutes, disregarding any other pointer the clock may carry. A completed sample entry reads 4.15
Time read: 8.54
